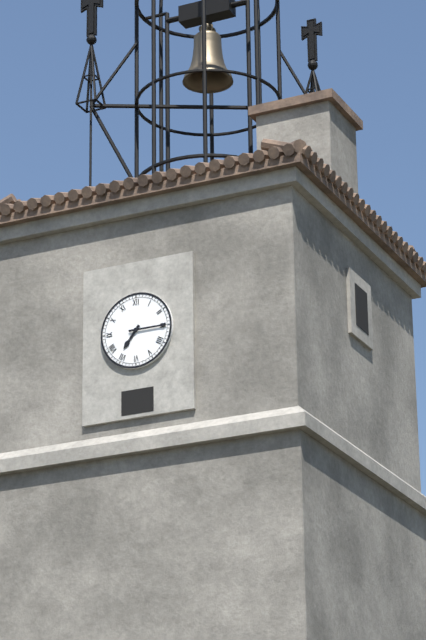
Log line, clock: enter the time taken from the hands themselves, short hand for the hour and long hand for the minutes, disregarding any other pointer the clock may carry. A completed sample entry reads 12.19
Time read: 7.15
